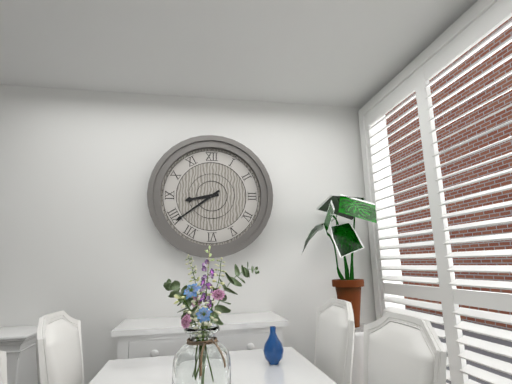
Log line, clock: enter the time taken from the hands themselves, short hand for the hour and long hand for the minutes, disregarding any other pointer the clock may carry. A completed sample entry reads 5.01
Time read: 8.39
